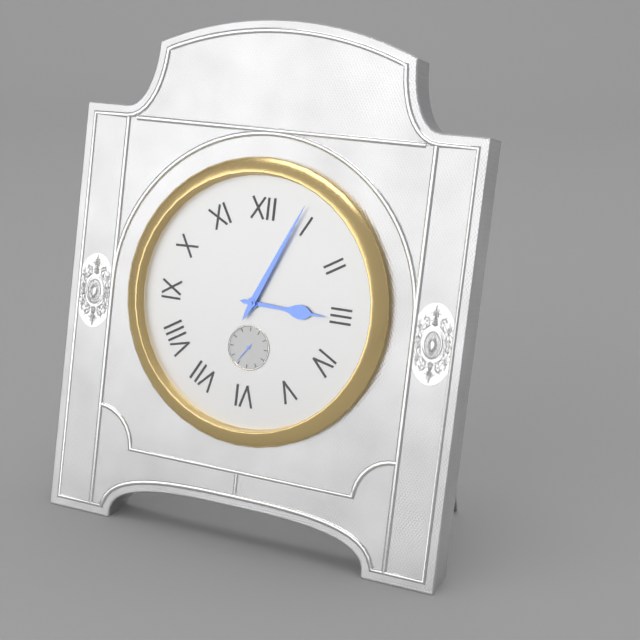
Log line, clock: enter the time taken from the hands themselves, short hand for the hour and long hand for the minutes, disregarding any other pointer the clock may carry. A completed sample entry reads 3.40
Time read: 3.04
